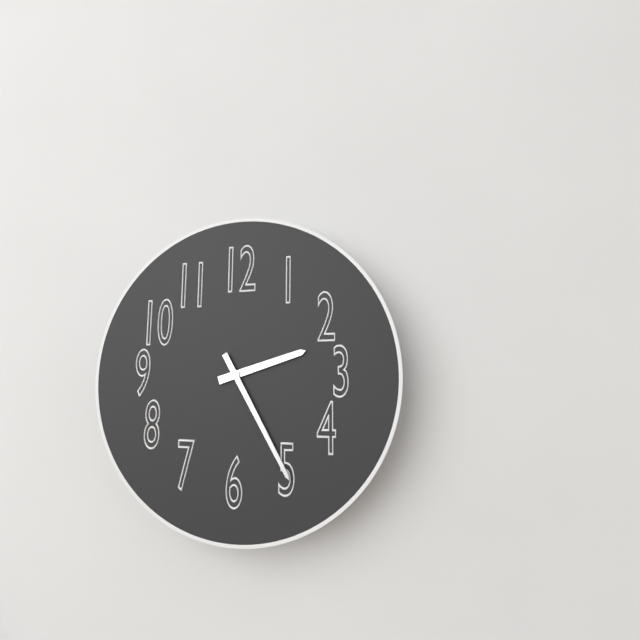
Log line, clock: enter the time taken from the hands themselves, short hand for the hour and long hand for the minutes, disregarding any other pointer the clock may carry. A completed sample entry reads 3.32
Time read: 2.25
